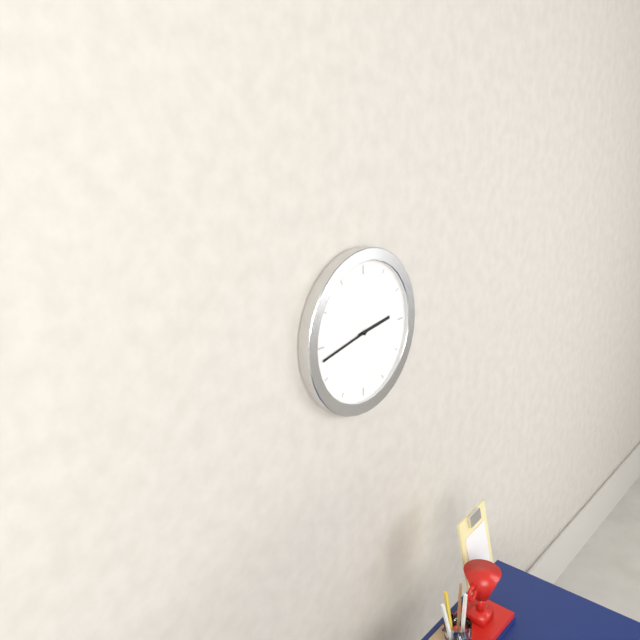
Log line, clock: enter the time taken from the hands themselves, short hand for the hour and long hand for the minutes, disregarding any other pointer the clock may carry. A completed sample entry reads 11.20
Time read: 2.43
